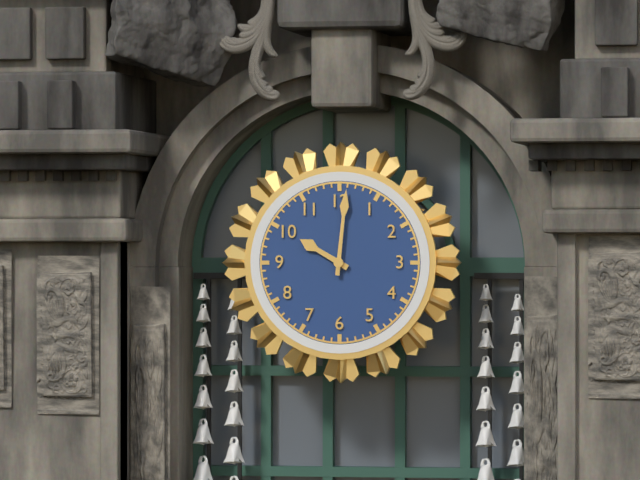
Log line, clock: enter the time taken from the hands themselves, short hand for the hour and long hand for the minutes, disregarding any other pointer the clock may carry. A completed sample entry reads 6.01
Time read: 10.01
